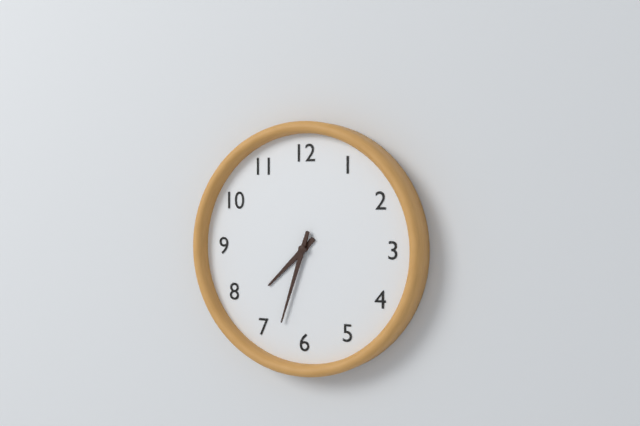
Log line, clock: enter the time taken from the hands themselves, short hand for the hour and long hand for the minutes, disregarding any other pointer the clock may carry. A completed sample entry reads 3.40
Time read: 7.33
